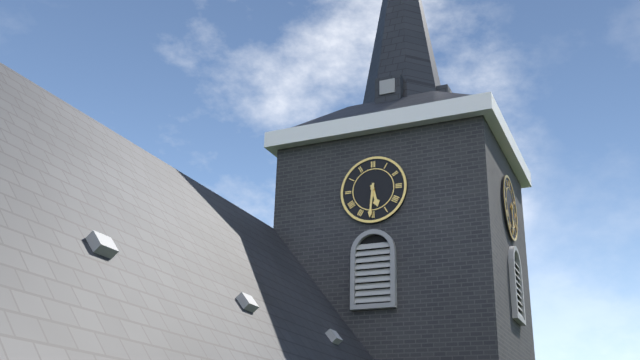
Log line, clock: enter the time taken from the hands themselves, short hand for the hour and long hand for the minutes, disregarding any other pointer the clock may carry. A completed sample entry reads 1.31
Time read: 5.31
